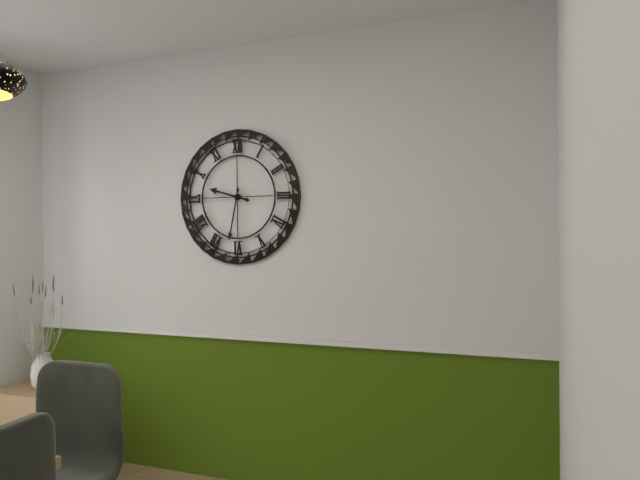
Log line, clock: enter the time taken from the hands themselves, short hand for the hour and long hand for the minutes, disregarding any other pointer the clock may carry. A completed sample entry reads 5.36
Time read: 9.32
